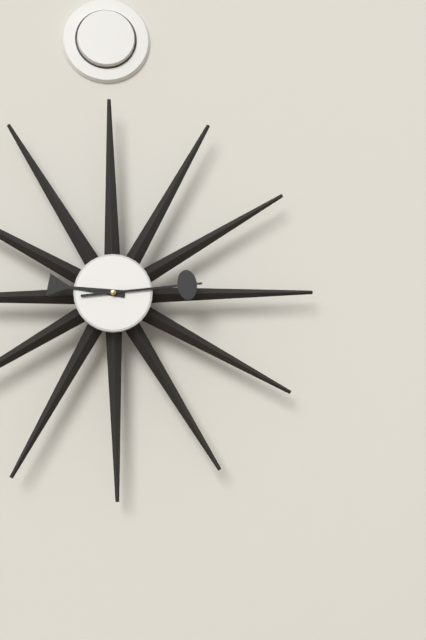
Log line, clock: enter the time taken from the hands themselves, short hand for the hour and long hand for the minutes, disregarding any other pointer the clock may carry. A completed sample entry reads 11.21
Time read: 9.14
